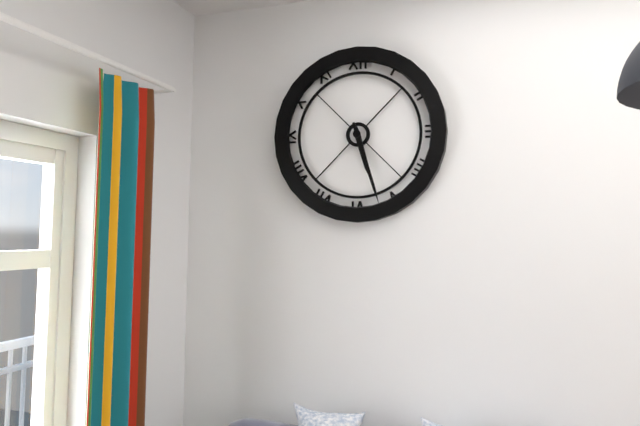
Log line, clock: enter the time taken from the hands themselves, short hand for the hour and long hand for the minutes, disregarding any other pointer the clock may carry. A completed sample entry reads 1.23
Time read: 5.27
